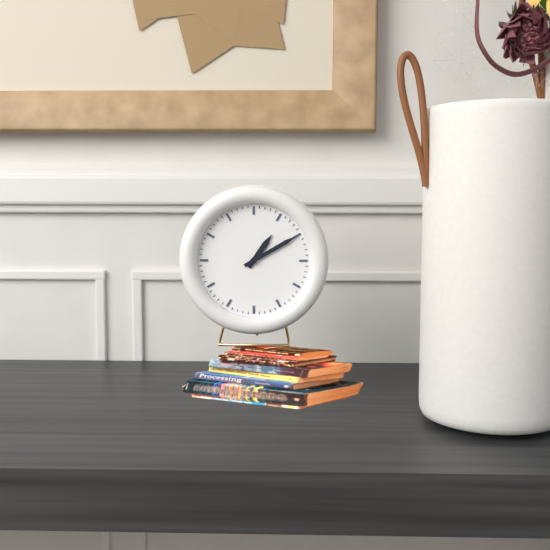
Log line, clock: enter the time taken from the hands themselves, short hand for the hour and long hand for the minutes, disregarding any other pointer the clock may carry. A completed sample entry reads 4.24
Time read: 1.10
